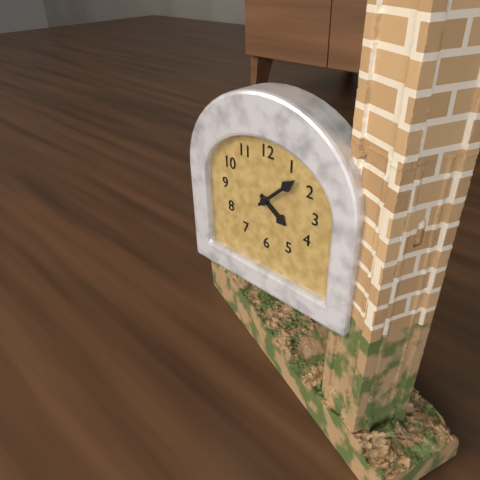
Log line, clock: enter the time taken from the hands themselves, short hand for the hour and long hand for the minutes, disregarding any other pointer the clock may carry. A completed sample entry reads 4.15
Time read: 4.08
